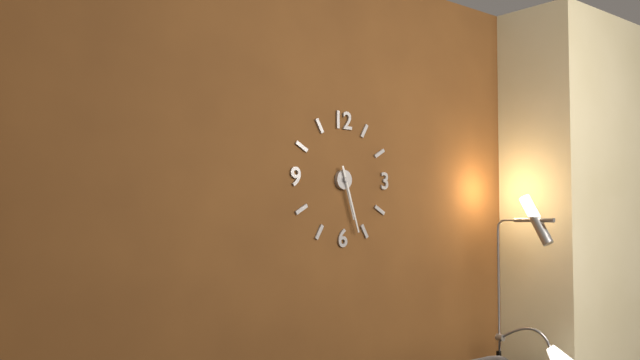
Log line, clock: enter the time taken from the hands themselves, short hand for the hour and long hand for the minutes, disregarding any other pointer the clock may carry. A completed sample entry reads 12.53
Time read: 5.27
